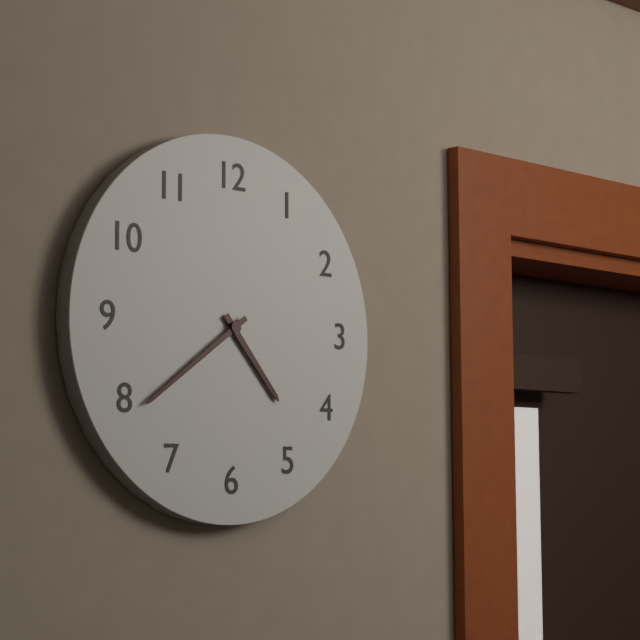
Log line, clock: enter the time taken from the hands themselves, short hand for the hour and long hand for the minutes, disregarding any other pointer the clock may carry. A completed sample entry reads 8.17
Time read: 4.39
